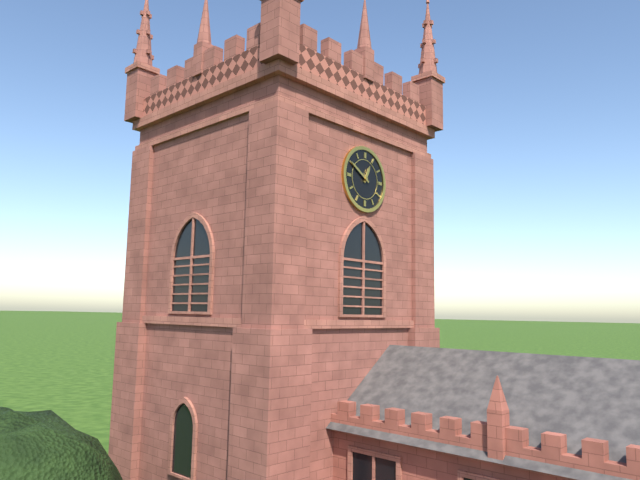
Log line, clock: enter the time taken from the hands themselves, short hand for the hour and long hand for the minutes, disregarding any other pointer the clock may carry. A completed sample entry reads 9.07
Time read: 12.50
